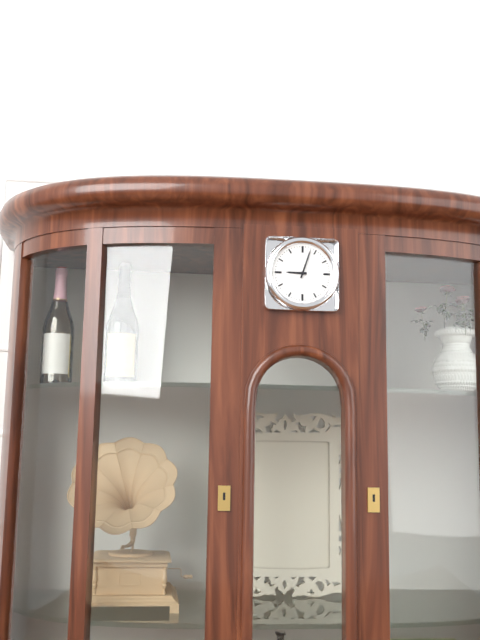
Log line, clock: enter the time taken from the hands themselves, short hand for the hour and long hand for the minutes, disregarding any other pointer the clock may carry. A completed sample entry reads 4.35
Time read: 9.03
